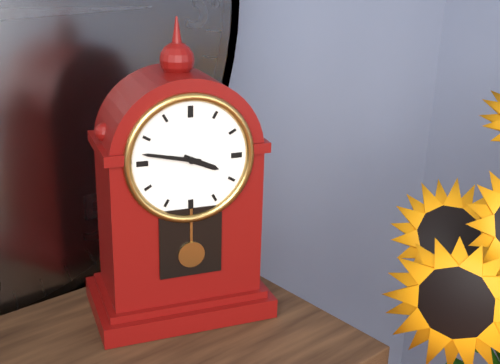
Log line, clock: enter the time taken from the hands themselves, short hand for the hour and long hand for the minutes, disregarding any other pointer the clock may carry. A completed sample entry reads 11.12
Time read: 3.47
